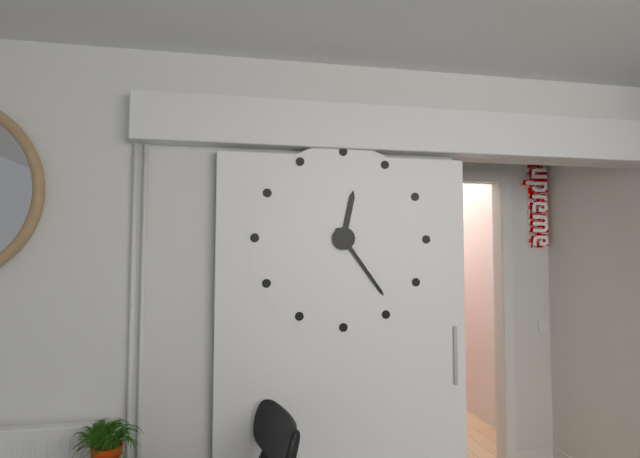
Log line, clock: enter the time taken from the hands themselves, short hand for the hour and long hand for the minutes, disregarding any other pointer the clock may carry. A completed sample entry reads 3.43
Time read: 12.24
